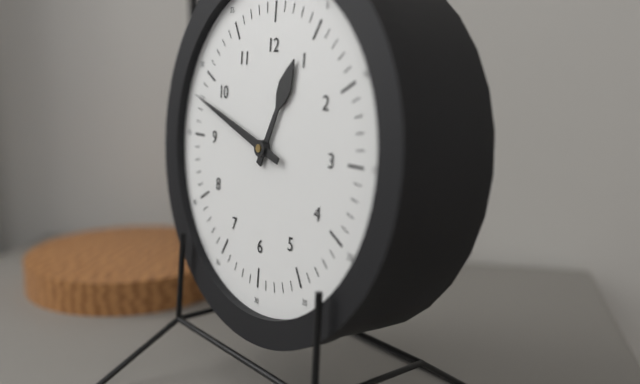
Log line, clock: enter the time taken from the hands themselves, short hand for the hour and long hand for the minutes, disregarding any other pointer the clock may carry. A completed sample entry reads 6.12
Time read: 12.48
